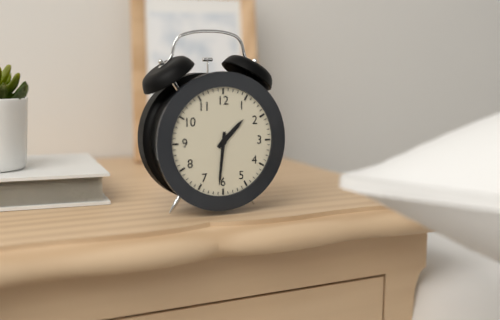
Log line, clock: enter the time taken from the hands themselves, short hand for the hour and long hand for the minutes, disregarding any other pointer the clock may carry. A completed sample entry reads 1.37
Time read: 1.31
